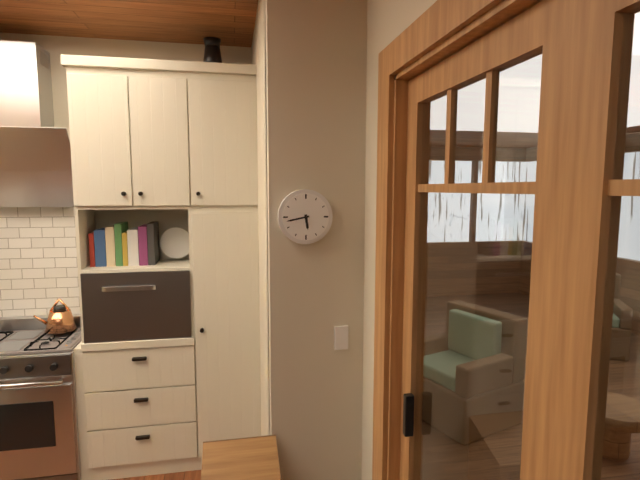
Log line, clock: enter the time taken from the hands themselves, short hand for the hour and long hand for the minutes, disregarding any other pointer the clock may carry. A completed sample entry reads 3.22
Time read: 5.43
